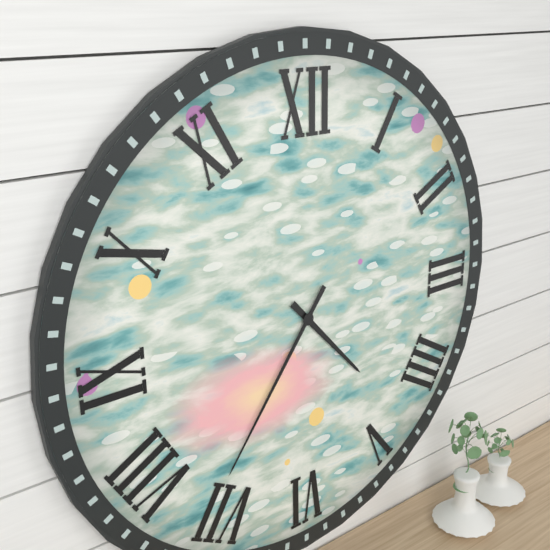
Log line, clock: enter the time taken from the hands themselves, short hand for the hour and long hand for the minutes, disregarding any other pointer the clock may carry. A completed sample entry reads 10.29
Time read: 4.36
